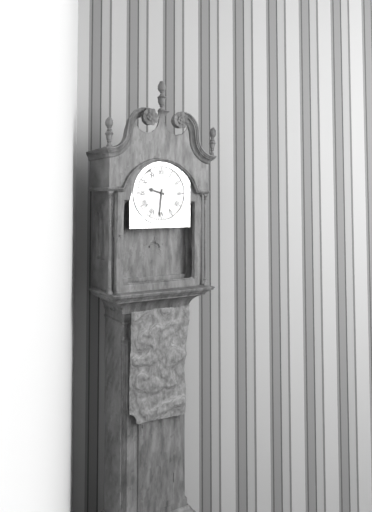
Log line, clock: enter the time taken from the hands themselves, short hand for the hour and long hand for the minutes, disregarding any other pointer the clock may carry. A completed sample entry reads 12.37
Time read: 9.31
